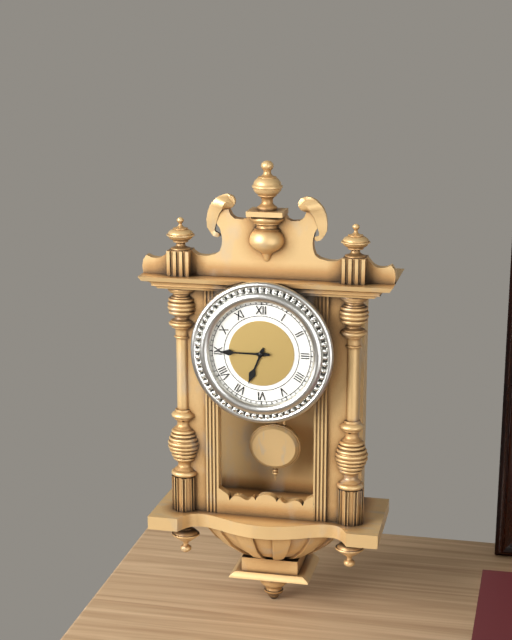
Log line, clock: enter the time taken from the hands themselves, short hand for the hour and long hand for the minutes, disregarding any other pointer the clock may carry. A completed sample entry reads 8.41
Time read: 6.45
